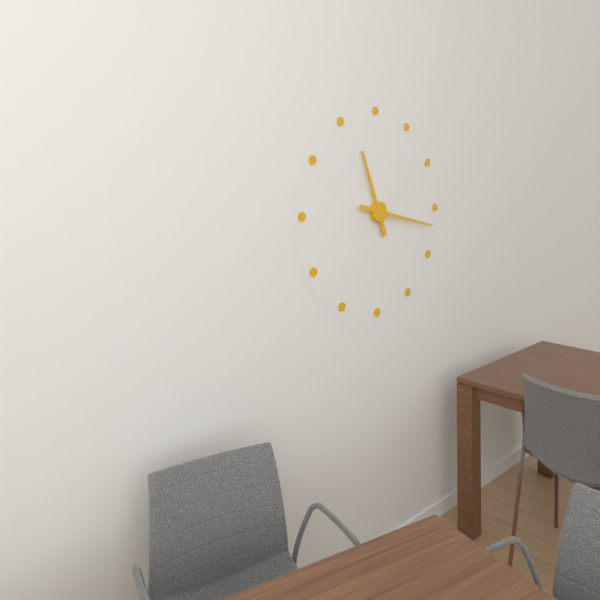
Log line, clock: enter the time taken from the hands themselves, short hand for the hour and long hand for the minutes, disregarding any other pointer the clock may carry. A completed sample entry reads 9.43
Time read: 11.17
